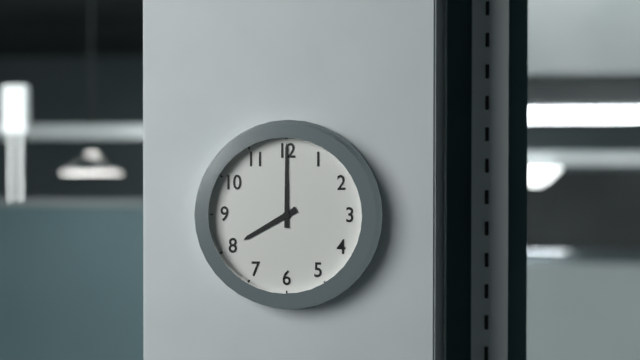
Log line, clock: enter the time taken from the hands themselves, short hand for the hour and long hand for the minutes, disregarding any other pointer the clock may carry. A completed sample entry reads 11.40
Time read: 8.00
